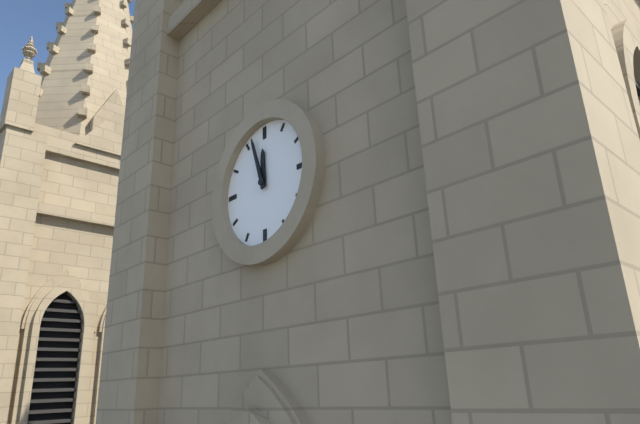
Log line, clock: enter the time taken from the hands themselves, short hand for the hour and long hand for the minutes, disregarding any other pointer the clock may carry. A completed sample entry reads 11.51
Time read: 11.57
